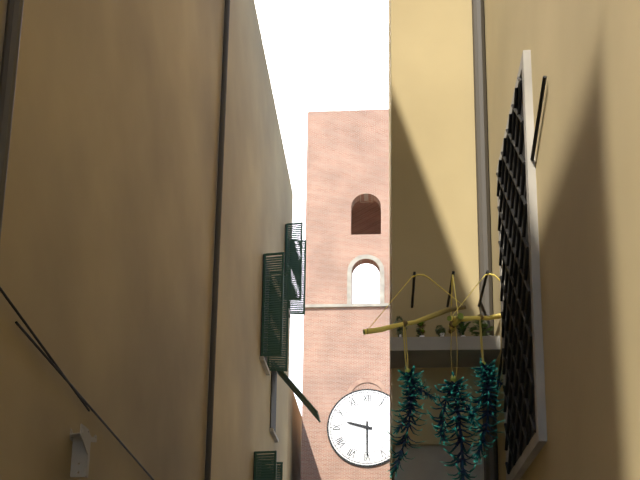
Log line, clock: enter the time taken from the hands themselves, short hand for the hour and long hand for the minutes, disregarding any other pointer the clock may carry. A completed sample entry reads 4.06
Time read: 9.30
